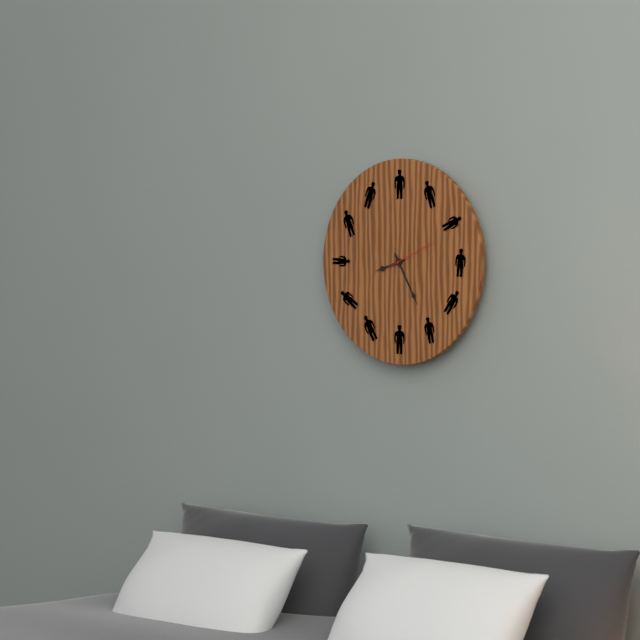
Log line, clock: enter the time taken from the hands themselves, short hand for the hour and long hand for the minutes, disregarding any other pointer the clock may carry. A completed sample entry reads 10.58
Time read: 8.25
